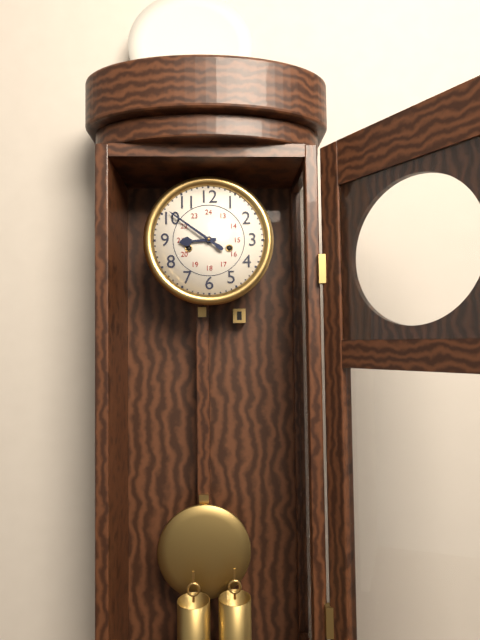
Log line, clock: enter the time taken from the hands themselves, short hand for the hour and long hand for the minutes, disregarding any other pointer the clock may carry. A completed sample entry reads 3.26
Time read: 8.51
